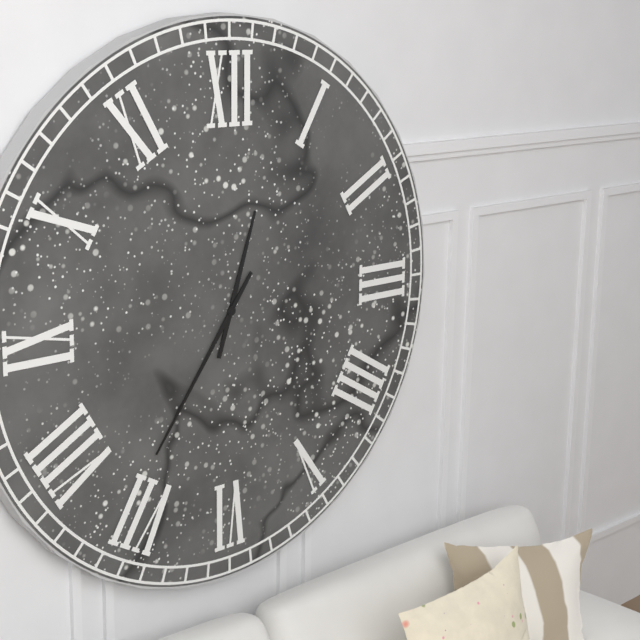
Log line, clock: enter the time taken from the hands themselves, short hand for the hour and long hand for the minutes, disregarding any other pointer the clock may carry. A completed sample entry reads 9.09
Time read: 12.36
